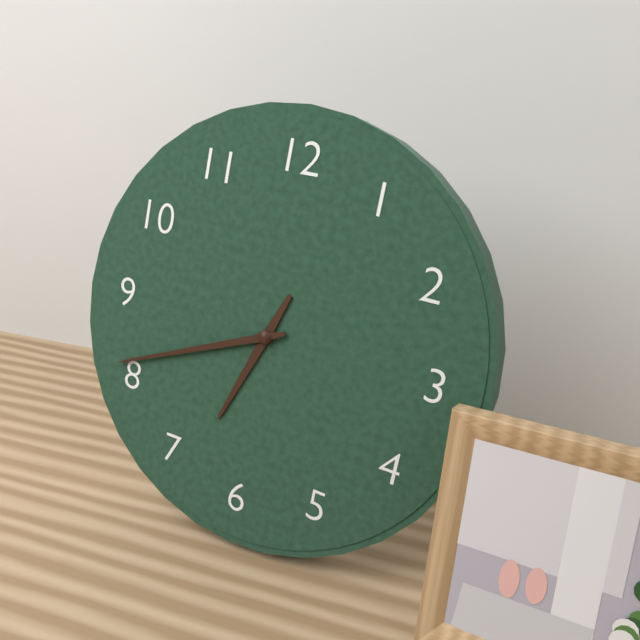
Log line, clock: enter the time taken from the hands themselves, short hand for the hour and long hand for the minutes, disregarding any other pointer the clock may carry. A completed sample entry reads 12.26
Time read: 6.41
